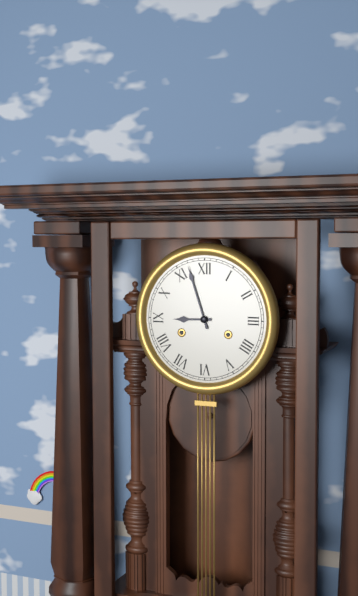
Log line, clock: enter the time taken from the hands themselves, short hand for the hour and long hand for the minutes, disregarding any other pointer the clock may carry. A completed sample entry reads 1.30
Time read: 8.57
